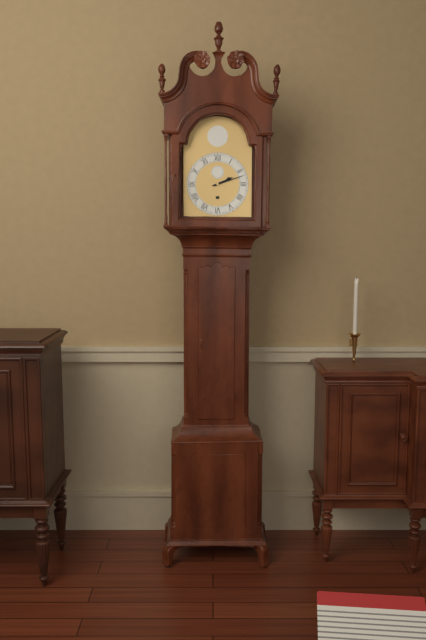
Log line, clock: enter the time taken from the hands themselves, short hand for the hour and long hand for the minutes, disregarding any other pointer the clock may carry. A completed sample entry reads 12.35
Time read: 2.12
